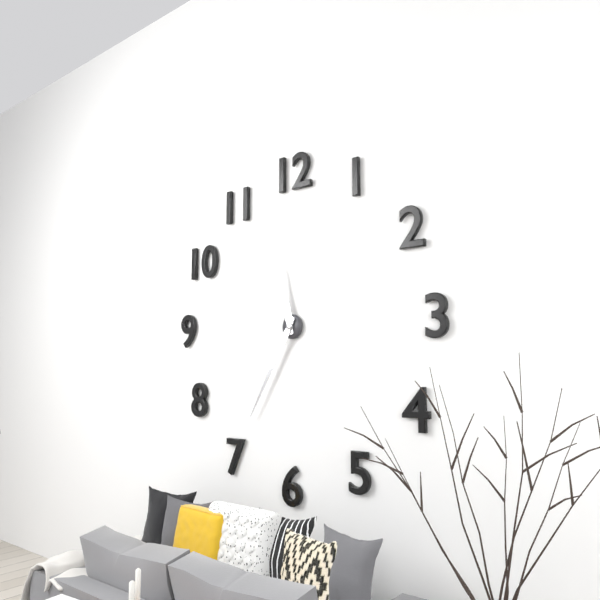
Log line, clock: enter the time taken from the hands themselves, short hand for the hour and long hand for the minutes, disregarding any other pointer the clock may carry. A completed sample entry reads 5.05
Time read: 11.35
